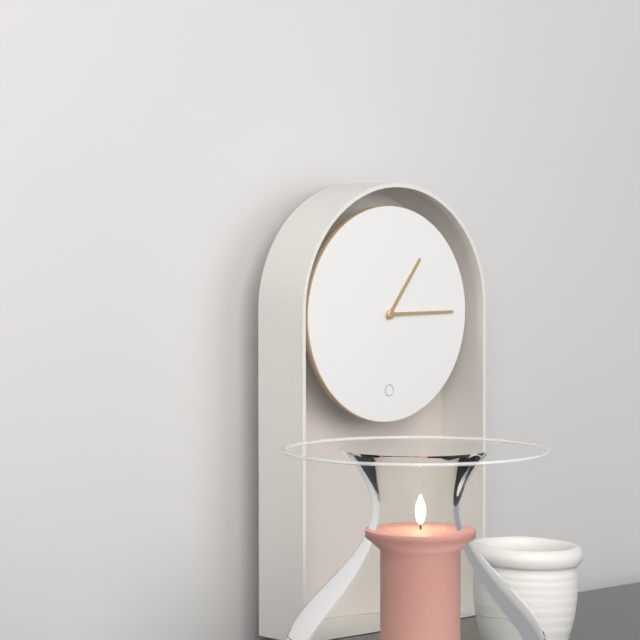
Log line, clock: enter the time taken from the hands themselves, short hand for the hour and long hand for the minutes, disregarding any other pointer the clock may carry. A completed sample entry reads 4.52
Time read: 1.15
